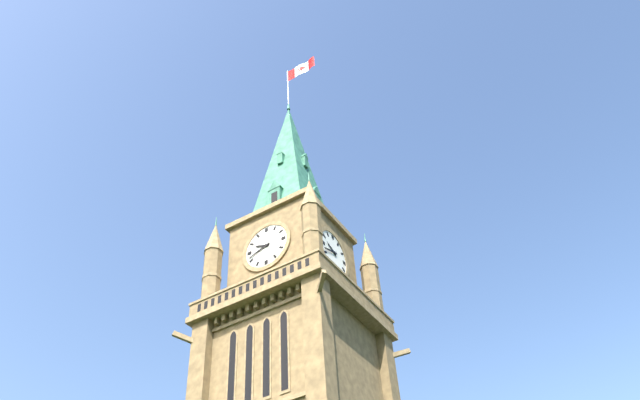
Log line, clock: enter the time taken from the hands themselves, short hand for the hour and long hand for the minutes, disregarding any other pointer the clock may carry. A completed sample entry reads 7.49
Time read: 9.42
